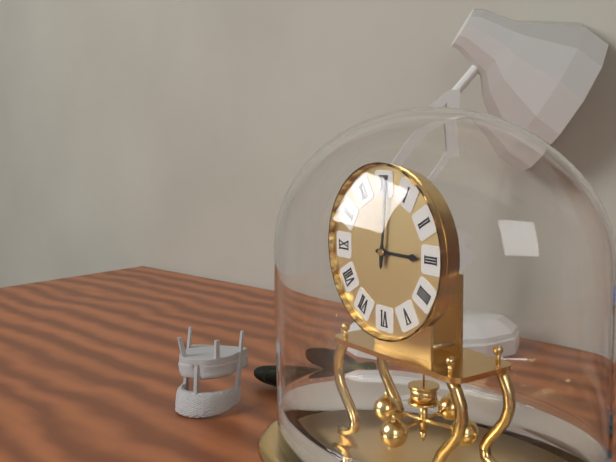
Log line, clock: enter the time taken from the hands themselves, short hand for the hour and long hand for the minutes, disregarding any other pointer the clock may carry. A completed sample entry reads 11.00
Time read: 3.01
